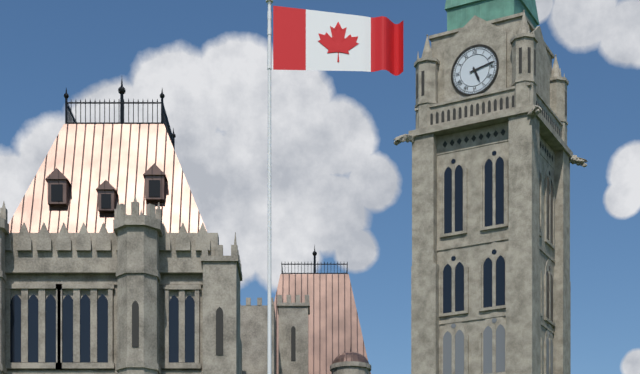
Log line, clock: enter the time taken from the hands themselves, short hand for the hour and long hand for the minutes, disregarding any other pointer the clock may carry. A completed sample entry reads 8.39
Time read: 5.13
